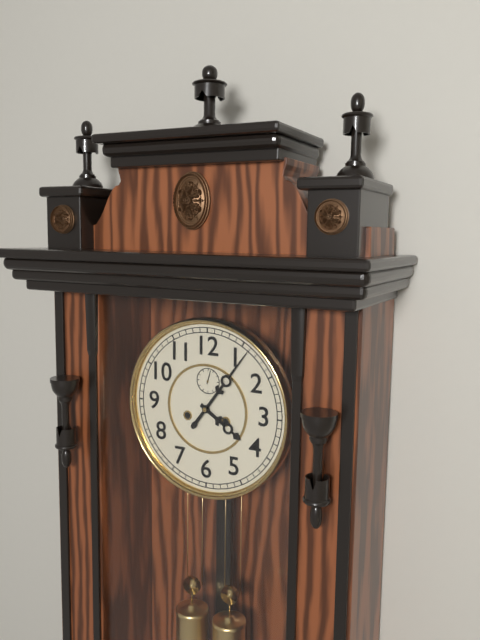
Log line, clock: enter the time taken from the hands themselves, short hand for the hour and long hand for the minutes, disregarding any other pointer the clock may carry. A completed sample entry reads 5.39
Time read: 4.06
